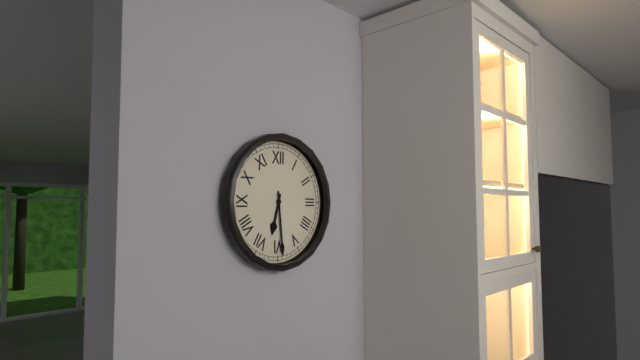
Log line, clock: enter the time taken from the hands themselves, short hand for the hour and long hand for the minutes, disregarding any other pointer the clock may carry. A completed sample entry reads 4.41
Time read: 6.29
